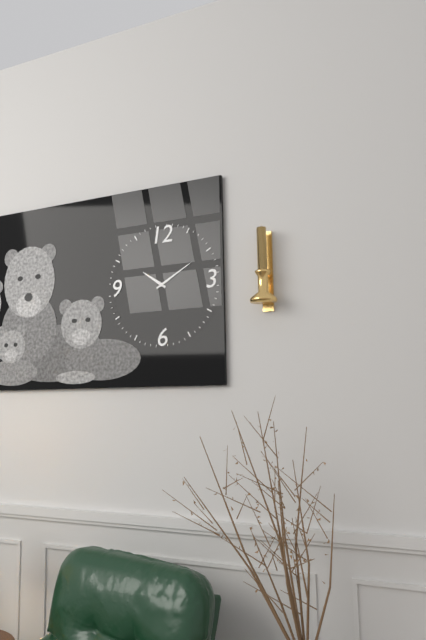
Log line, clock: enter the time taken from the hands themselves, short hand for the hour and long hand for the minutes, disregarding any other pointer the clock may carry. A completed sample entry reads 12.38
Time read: 10.10
